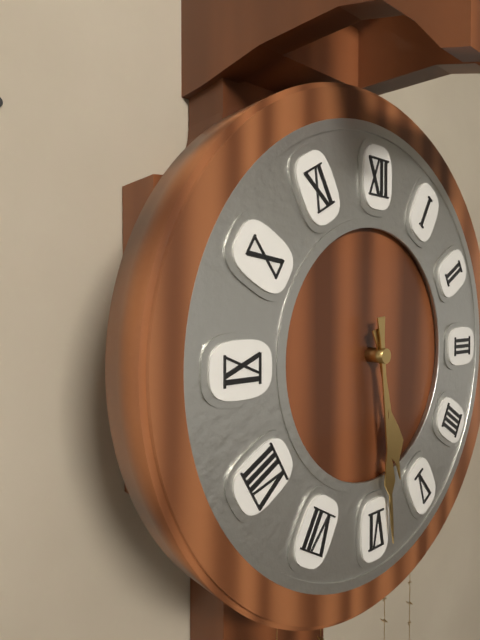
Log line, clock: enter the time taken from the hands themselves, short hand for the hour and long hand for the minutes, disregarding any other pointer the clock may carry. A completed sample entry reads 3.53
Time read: 5.29
